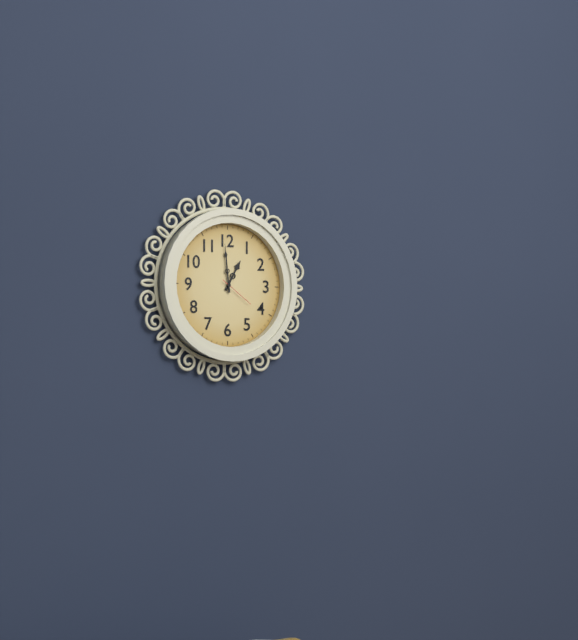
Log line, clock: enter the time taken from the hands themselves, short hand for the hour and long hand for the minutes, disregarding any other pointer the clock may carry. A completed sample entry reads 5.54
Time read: 12.59
